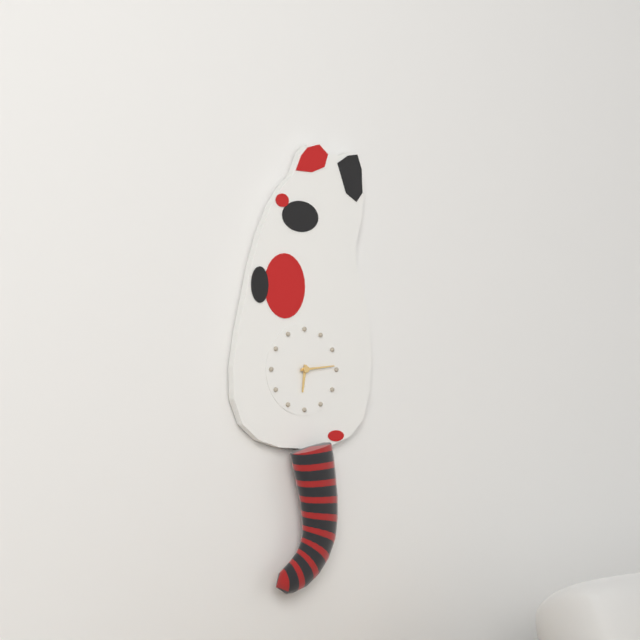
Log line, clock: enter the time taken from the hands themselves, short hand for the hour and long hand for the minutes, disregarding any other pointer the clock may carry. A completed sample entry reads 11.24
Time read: 6.14
